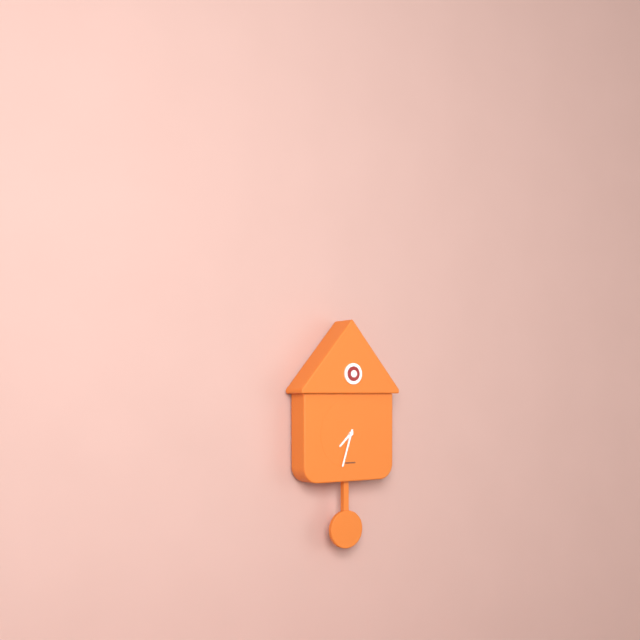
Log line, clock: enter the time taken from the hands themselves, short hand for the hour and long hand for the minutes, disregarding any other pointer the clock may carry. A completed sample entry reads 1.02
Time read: 7.33
